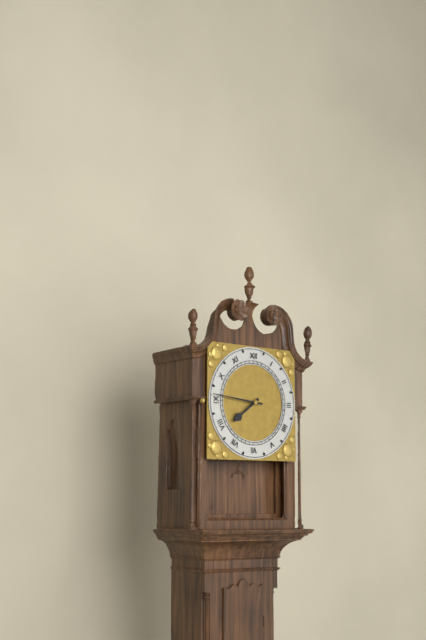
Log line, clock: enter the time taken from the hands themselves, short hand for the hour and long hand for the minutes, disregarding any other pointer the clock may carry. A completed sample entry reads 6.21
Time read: 7.46
